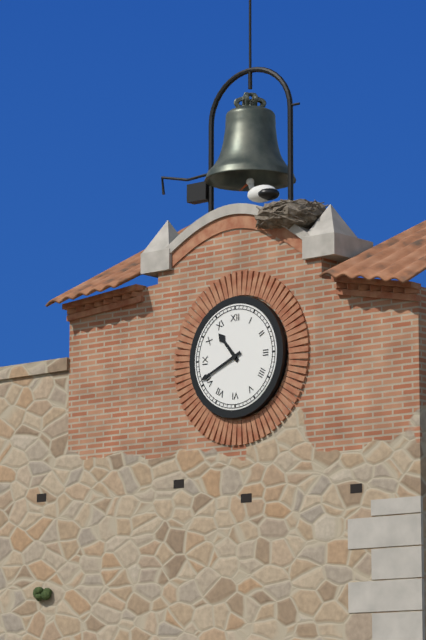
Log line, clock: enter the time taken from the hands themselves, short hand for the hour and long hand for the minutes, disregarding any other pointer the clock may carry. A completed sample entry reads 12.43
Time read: 10.41
